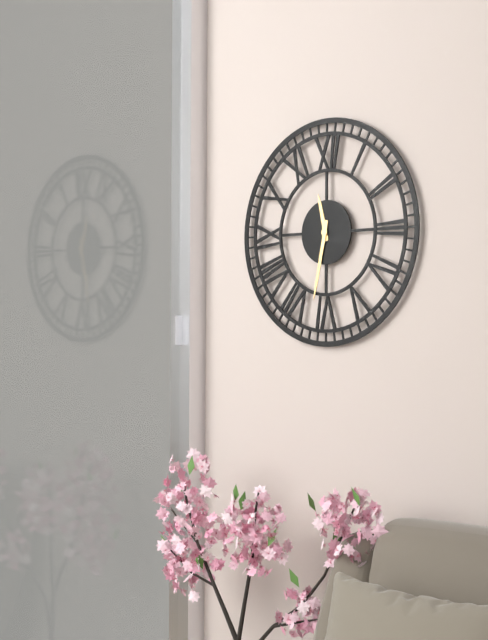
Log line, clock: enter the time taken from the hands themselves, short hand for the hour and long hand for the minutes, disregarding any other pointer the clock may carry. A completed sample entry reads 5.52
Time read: 11.32
